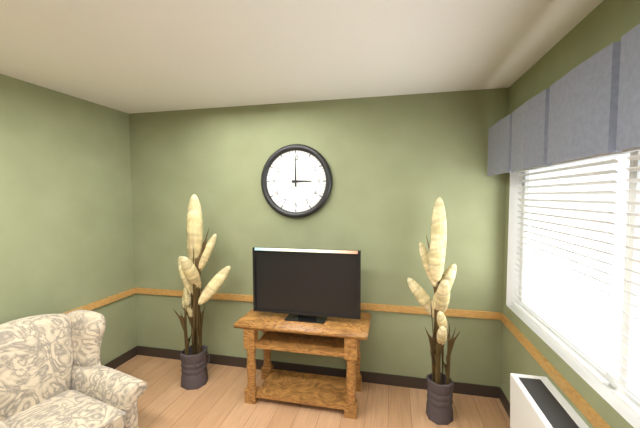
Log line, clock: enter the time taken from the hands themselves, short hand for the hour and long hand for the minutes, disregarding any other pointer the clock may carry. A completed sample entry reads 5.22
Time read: 3.00
